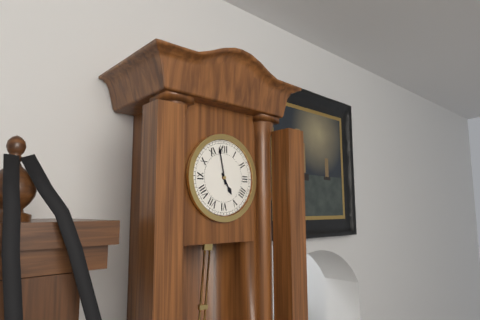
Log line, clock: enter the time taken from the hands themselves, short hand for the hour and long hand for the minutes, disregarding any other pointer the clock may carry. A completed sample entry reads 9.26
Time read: 4.58
